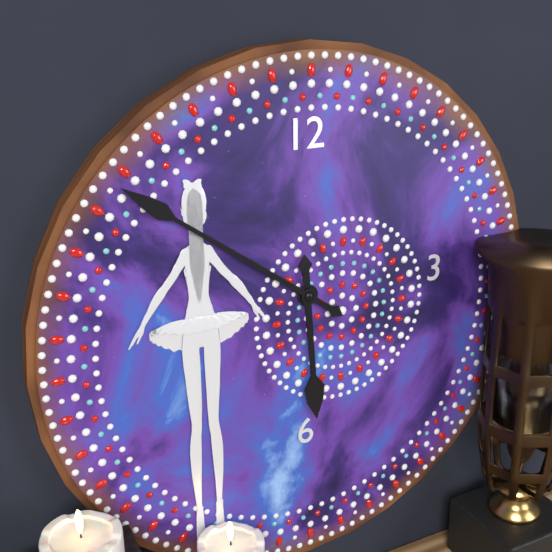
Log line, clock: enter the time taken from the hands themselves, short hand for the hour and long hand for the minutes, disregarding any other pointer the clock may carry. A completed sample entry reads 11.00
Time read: 5.51
